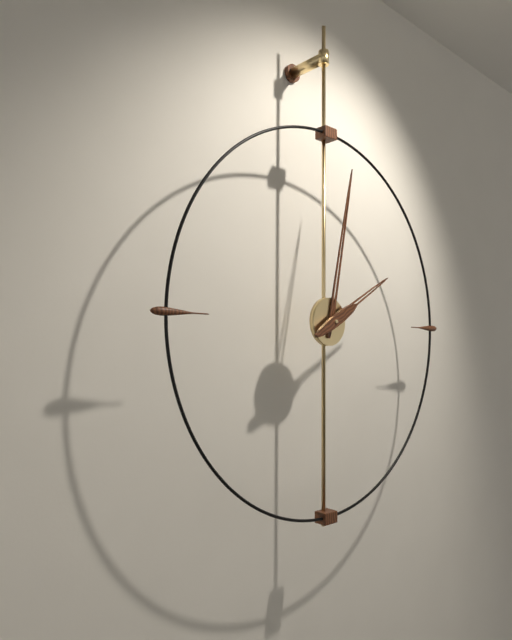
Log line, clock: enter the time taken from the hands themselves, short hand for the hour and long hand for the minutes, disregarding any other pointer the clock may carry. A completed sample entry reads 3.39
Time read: 2.02
